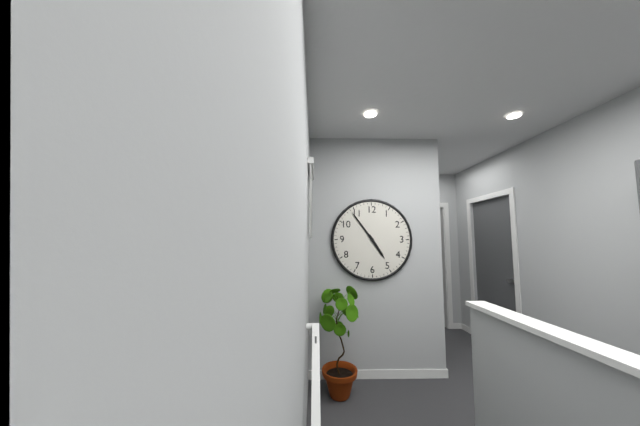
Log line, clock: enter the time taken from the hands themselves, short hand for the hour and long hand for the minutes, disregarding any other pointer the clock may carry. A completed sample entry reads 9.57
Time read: 4.54
